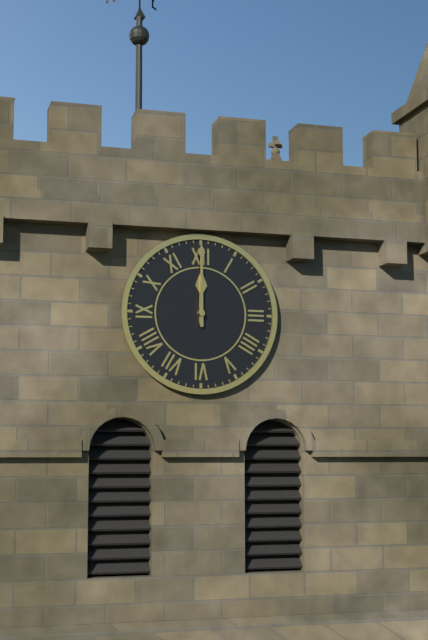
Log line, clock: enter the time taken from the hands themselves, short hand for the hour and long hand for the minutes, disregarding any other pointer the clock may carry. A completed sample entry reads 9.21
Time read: 12.00
